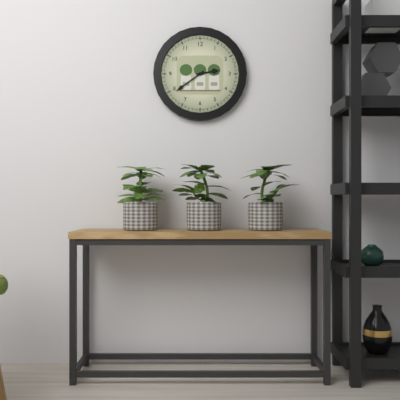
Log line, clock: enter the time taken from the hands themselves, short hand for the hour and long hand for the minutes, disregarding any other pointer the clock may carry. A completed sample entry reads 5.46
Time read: 2.39
